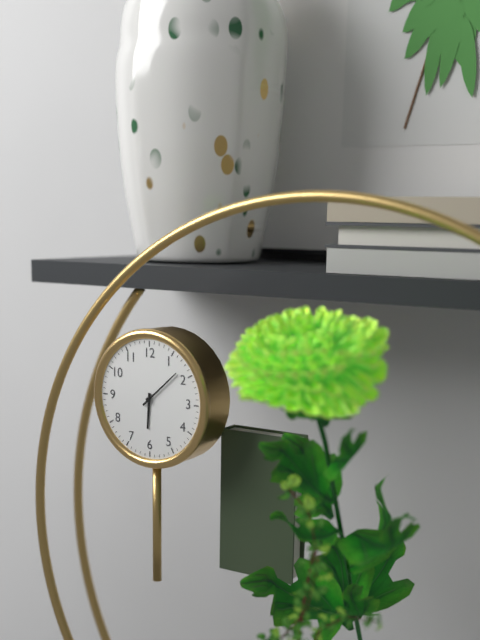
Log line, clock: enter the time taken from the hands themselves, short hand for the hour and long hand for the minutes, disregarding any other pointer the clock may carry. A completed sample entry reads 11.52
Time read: 6.08
